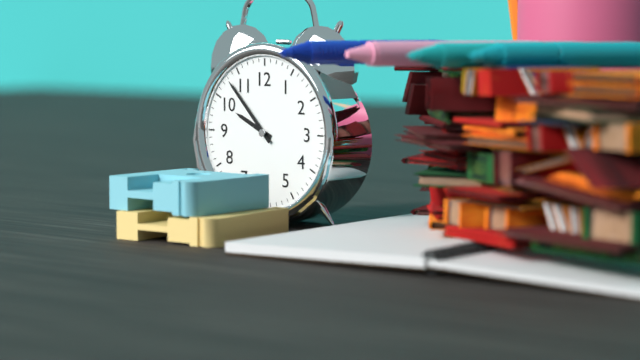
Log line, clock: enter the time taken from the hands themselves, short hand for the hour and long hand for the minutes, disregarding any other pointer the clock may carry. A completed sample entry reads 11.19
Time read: 9.53
